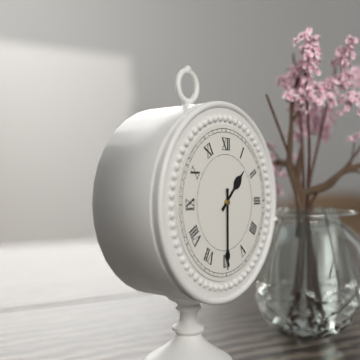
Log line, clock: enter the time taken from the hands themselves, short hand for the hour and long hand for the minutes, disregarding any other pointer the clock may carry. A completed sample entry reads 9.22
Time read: 1.30
